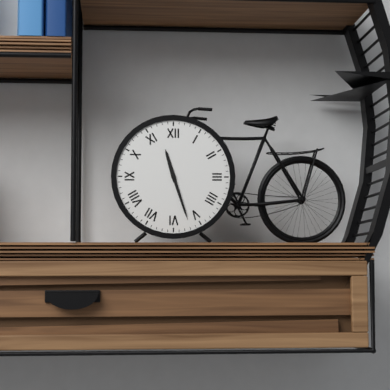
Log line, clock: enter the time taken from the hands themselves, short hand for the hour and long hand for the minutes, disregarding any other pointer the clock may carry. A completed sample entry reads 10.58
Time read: 11.27
